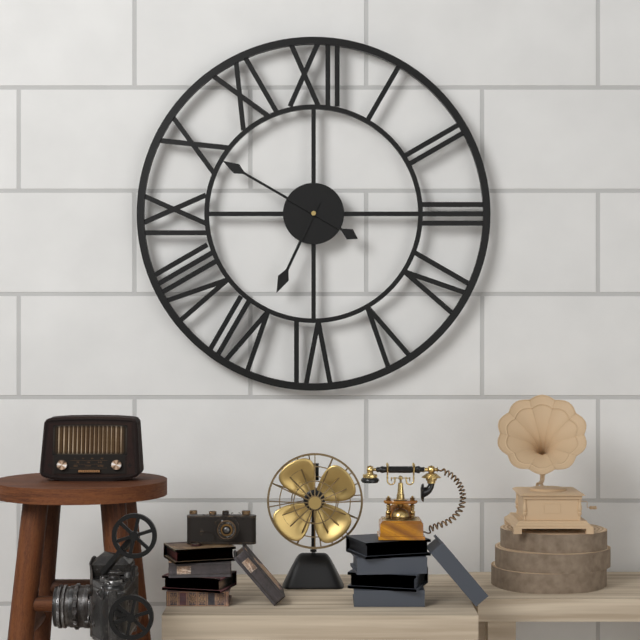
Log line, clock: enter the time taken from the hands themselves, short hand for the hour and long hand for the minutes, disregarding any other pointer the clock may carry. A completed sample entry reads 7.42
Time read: 6.50
